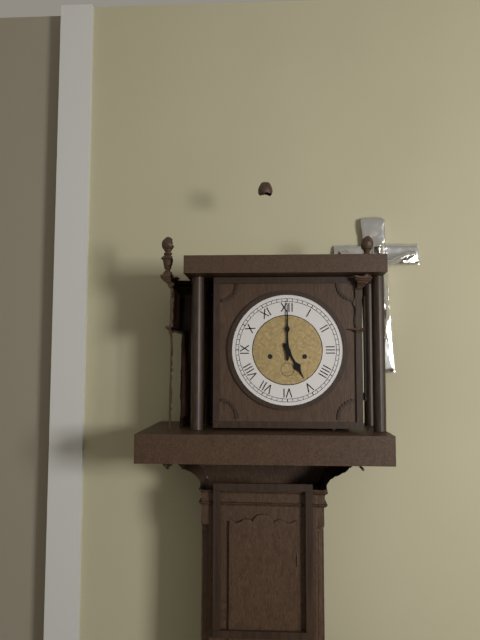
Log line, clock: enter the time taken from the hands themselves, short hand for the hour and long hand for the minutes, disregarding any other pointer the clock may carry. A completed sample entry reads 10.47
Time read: 5.00
